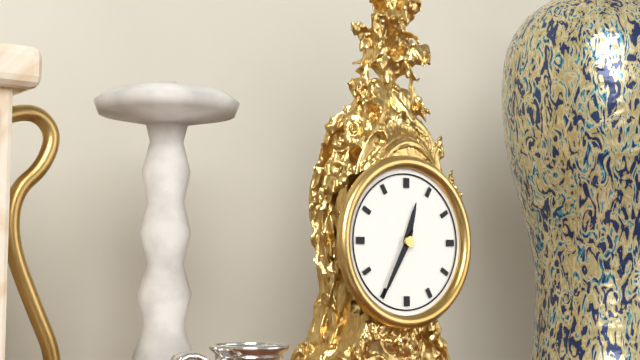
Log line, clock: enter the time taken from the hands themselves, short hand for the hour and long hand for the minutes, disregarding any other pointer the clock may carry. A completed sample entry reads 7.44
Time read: 12.35
